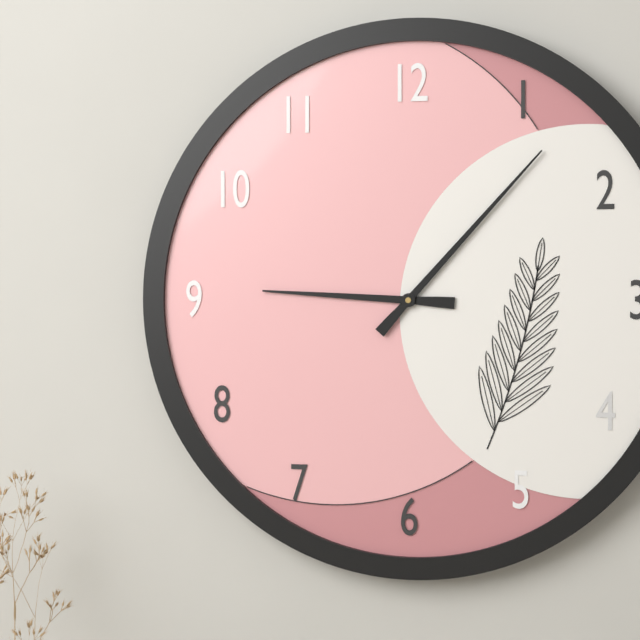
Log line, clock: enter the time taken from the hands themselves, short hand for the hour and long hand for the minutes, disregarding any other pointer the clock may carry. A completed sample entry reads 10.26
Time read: 9.07
